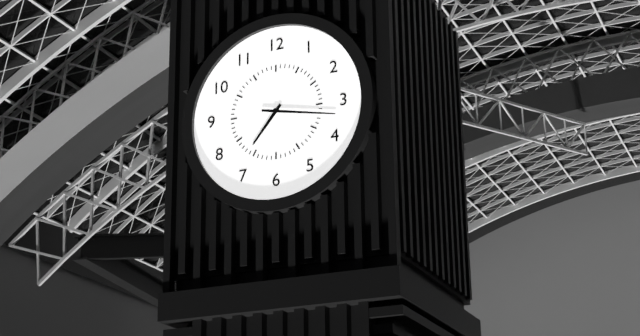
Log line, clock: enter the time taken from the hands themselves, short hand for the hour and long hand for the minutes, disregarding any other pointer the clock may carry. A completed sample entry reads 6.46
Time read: 7.17
